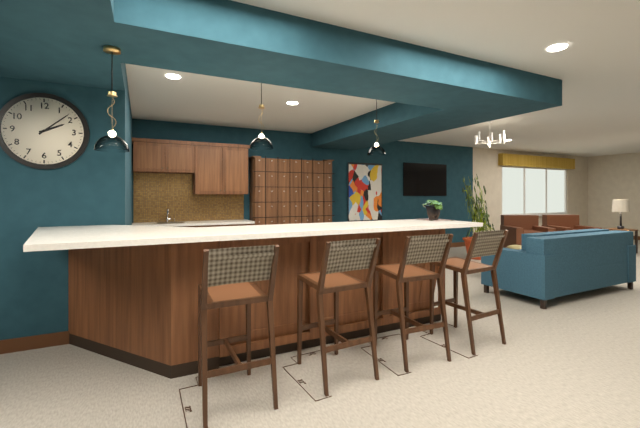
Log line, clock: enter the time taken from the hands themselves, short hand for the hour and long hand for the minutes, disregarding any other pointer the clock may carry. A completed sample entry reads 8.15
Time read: 2.08
